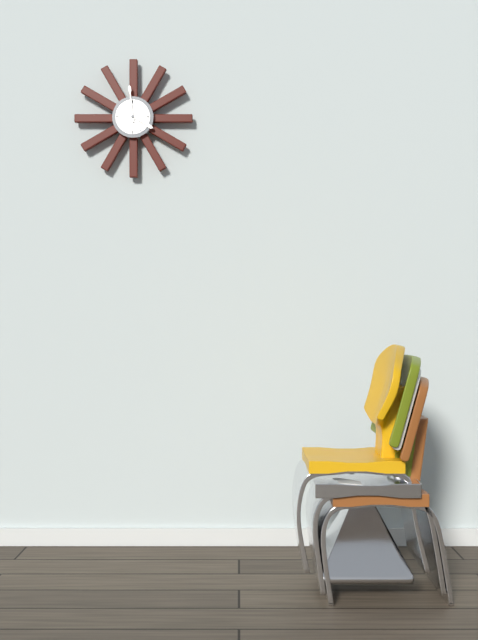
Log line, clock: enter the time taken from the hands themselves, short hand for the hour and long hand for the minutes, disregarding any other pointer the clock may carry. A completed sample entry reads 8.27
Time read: 3.59
